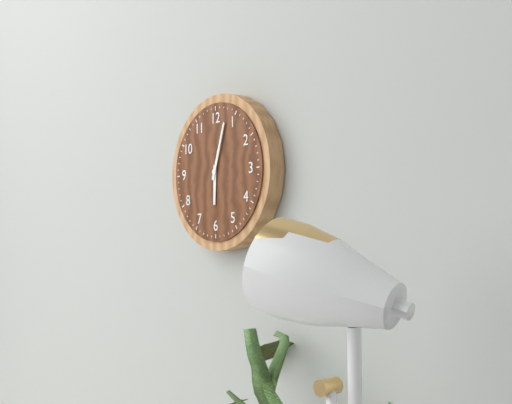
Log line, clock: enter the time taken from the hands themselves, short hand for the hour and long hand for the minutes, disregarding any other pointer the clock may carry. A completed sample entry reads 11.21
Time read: 6.03
